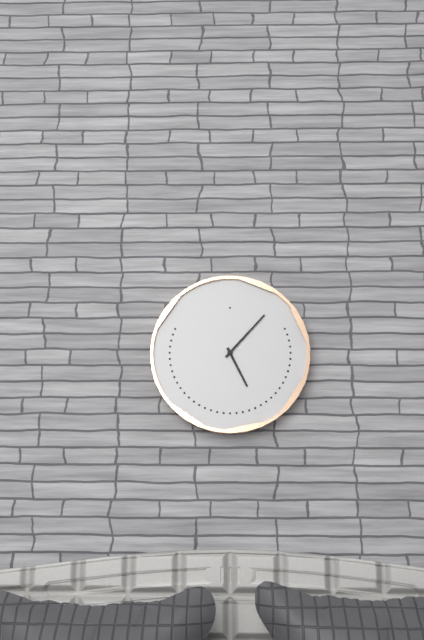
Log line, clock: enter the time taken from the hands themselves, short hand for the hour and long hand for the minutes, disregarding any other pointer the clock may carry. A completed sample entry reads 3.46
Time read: 5.07
